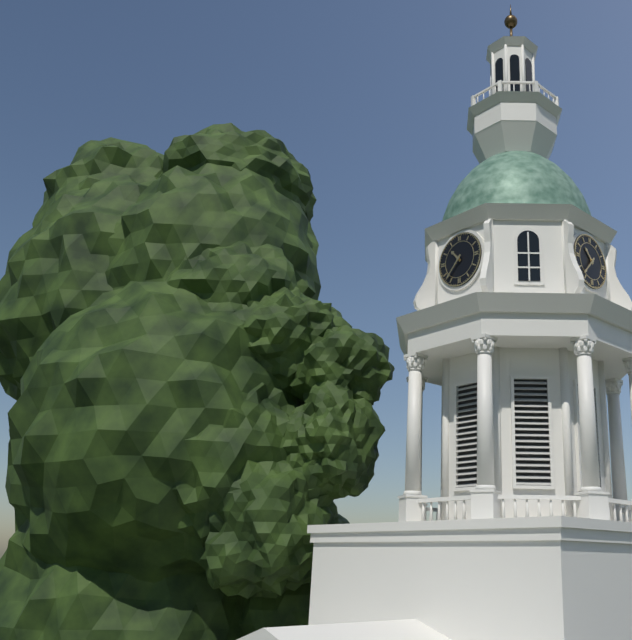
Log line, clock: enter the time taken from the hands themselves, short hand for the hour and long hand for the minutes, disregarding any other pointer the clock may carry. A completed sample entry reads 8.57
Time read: 10.37
